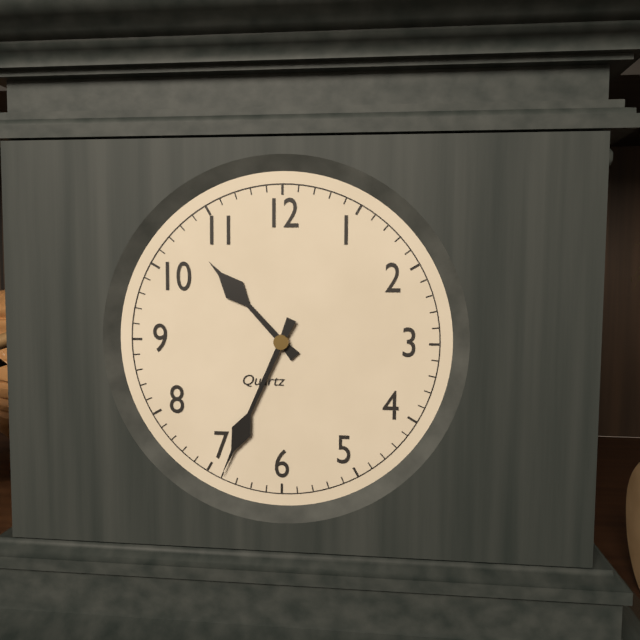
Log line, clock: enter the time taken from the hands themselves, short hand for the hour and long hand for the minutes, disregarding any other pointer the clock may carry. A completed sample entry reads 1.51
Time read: 10.34
